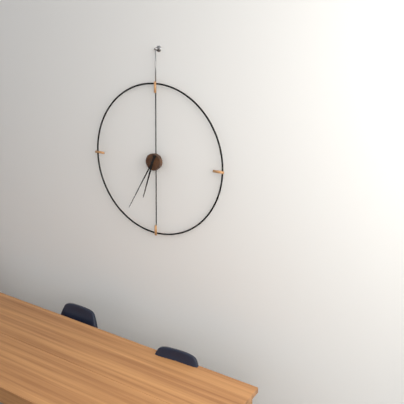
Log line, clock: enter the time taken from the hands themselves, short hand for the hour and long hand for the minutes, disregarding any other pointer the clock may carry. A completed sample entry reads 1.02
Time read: 6.35
